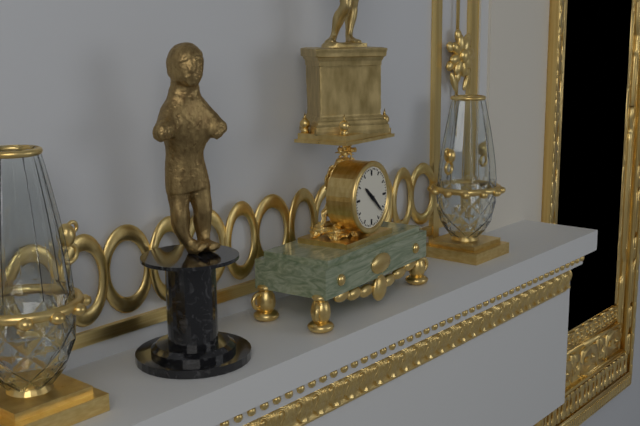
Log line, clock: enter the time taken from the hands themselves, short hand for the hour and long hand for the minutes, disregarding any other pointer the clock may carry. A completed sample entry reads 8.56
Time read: 10.22
